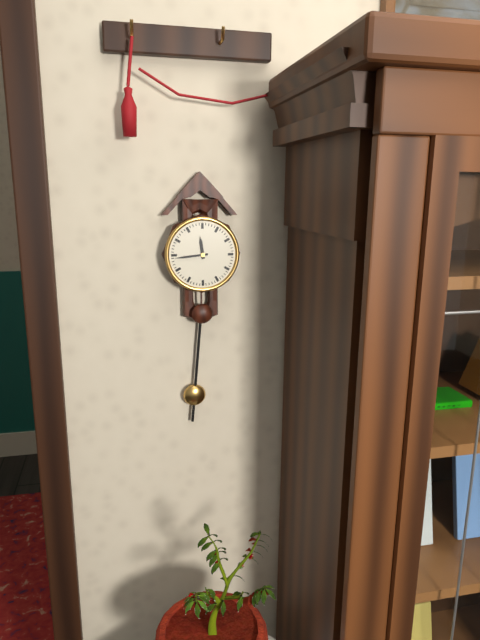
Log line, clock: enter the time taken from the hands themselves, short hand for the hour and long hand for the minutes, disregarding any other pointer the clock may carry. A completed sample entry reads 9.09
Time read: 11.44
